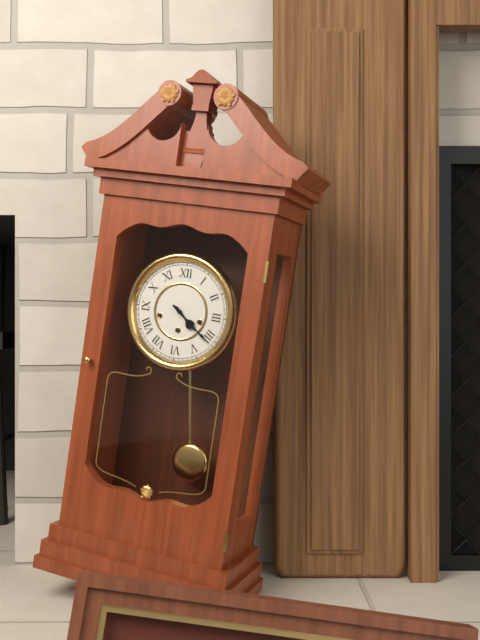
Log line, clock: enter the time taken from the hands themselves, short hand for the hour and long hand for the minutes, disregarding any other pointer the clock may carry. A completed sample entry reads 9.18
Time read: 4.21
